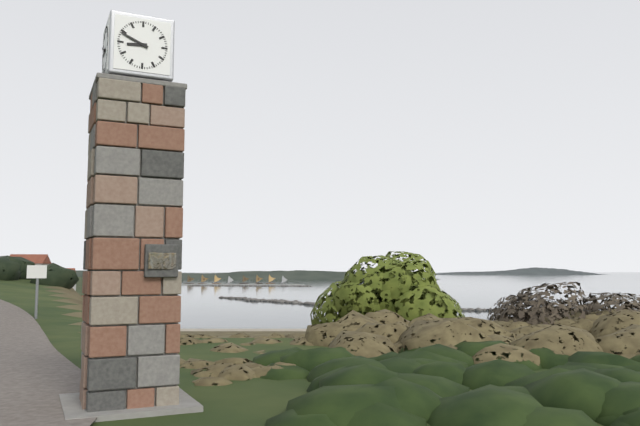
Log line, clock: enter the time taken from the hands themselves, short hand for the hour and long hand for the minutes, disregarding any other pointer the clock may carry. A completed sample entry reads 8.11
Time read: 8.49
